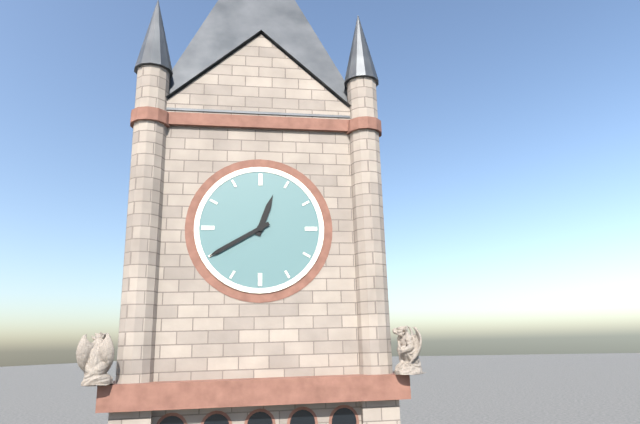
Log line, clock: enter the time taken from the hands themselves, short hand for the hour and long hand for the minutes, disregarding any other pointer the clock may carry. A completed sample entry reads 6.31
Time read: 12.40
